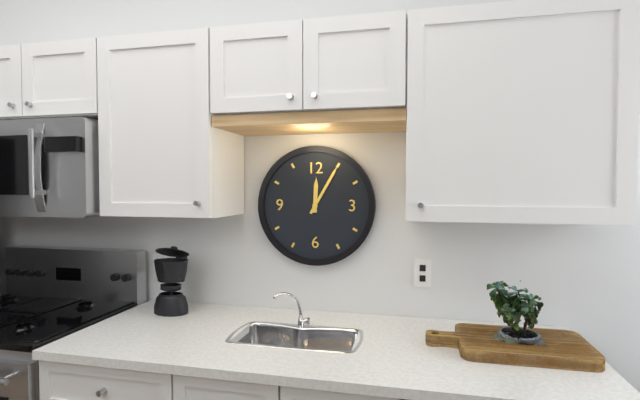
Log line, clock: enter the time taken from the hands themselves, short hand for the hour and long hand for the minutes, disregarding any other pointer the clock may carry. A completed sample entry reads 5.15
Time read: 12.05
